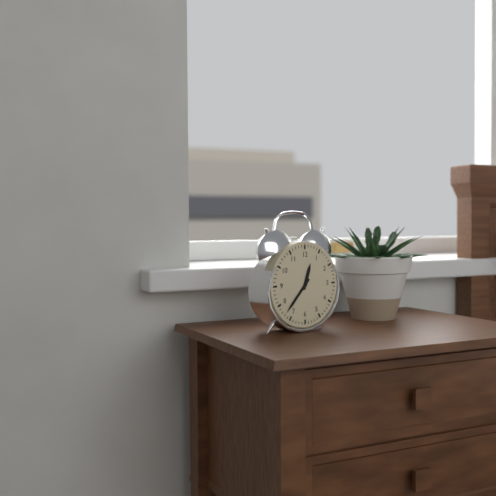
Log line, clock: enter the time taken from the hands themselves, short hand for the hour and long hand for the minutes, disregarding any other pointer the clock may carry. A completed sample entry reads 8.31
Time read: 12.37
